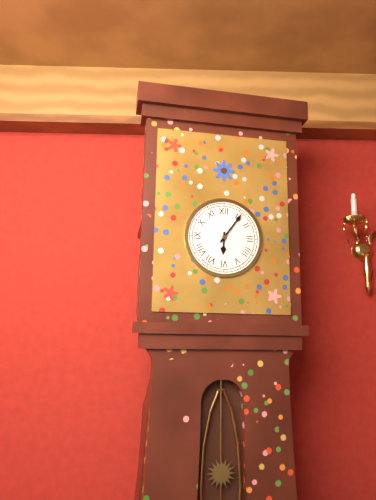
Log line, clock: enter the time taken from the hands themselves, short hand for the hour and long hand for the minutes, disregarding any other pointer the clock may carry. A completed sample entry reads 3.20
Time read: 6.06
